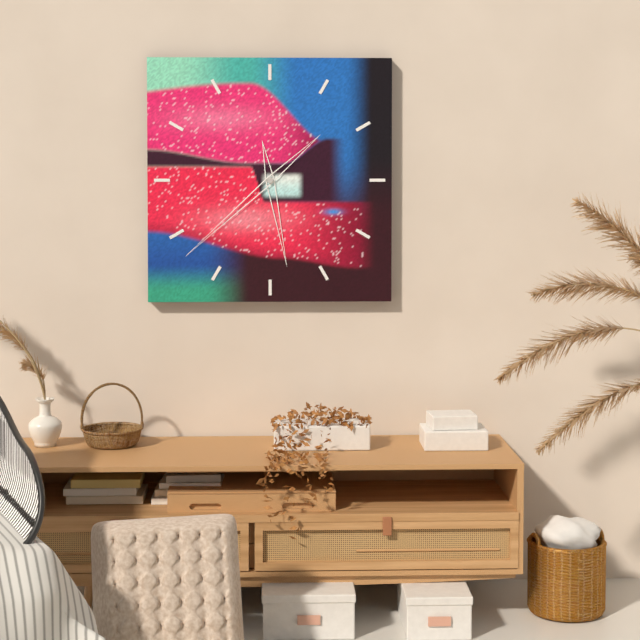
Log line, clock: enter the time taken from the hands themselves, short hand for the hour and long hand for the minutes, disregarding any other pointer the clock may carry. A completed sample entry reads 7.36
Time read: 5.38
